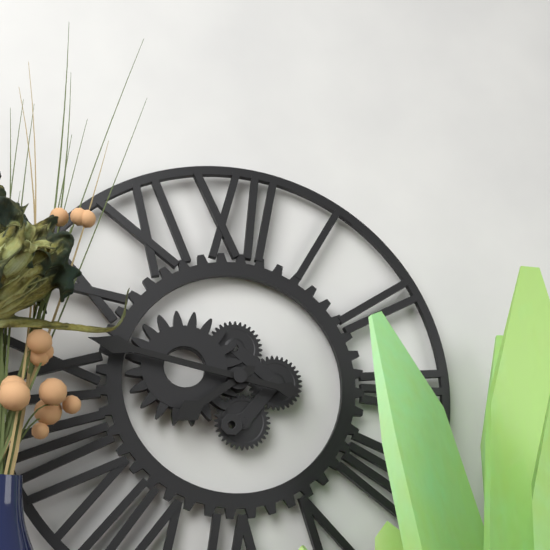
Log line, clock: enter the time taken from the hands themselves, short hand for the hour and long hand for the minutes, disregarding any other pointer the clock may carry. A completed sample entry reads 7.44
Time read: 7.47
